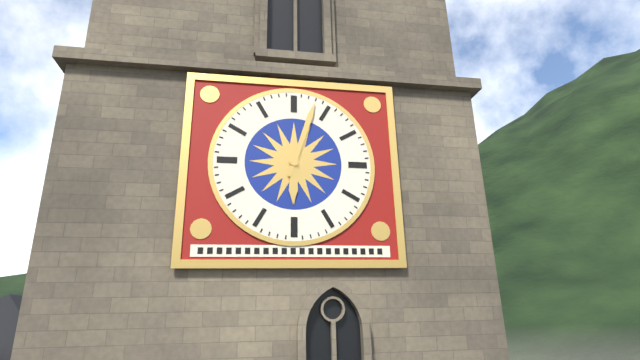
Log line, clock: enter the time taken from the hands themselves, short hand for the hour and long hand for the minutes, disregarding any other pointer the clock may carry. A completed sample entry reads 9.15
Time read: 6.03
